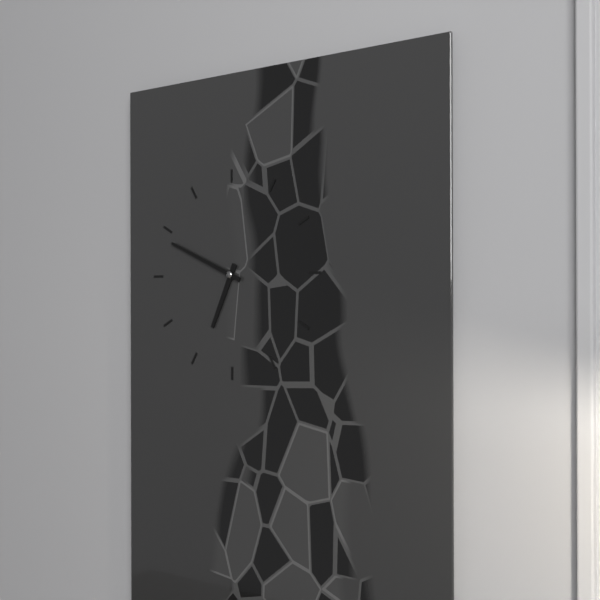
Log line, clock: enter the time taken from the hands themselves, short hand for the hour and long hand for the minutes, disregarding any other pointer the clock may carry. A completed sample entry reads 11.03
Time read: 6.49
